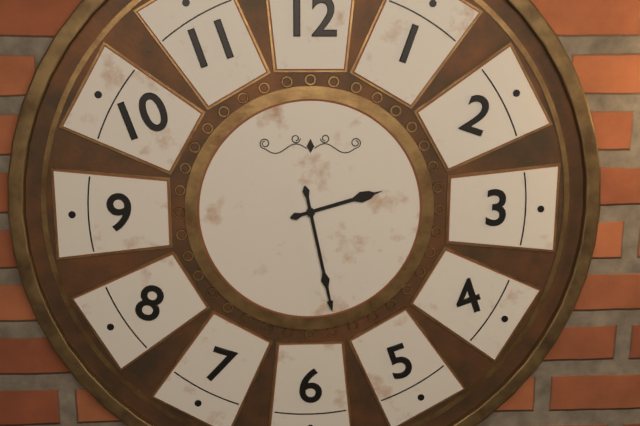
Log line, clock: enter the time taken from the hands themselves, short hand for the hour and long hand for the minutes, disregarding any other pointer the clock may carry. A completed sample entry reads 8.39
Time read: 2.28
